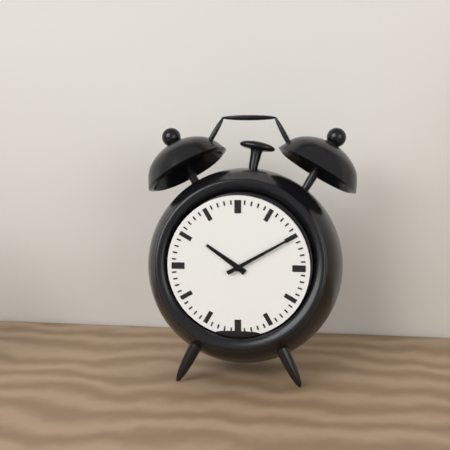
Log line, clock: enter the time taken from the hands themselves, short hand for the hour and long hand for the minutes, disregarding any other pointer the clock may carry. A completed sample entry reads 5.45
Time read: 10.10
